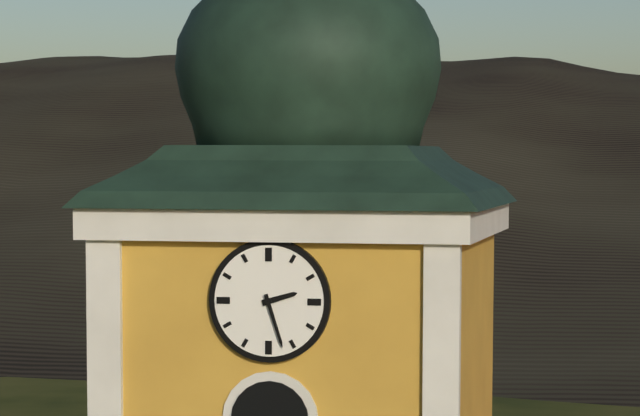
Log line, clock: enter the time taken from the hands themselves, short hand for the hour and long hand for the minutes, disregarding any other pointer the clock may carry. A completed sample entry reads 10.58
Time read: 2.27
